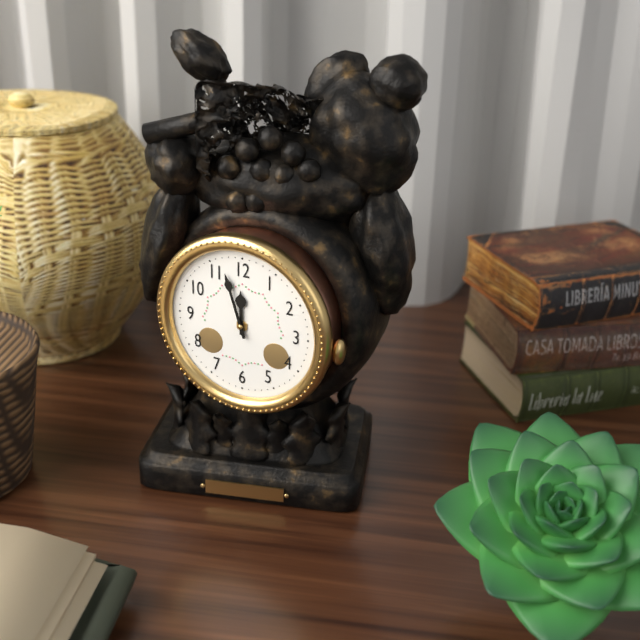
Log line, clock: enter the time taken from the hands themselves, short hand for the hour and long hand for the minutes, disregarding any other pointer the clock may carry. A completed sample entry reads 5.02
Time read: 11.57
